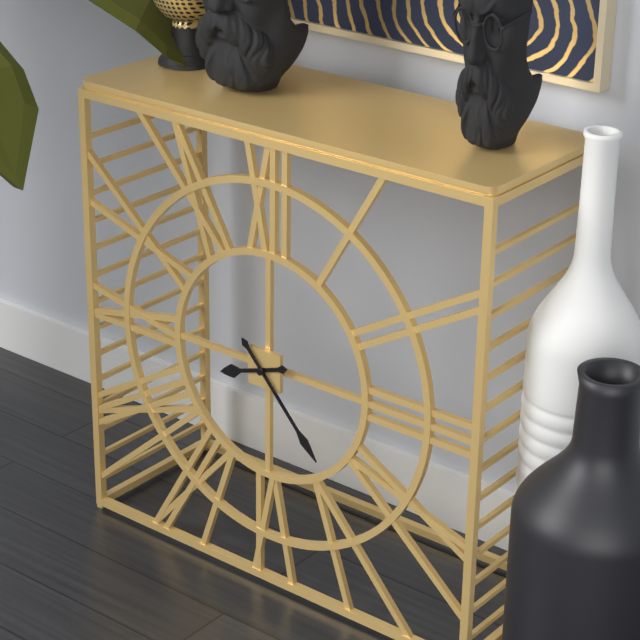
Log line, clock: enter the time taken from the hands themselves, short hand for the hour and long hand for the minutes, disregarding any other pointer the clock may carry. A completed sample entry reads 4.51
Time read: 8.23
